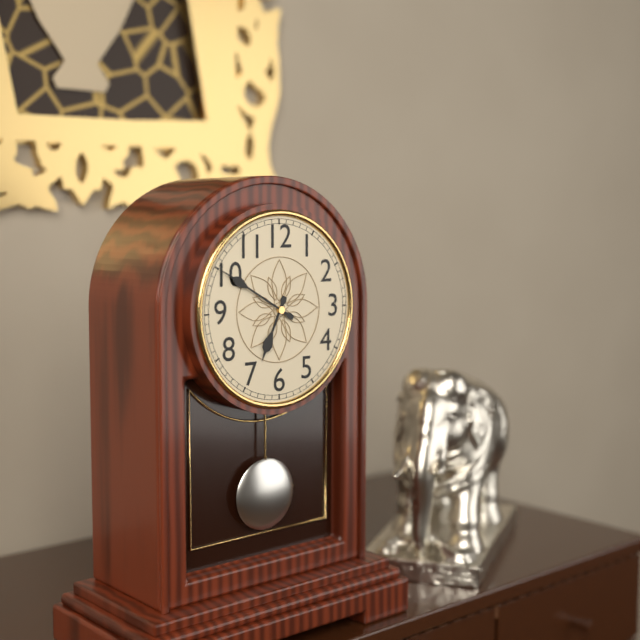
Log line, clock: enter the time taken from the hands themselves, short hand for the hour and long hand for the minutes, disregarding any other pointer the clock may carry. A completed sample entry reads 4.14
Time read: 6.50
